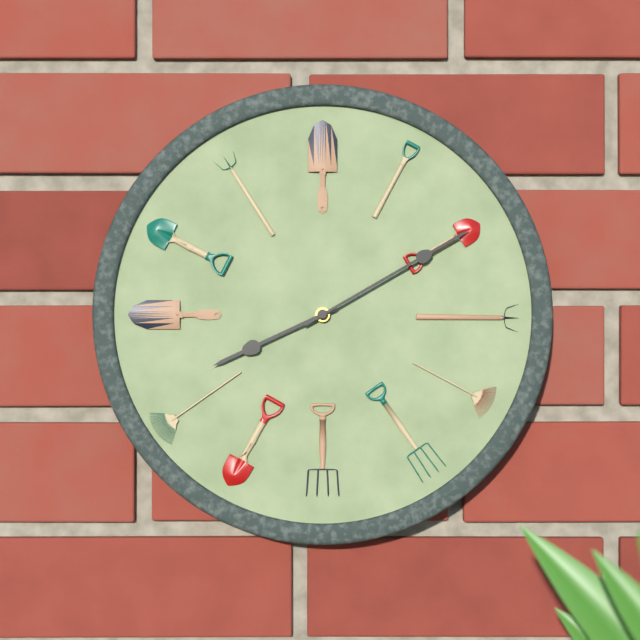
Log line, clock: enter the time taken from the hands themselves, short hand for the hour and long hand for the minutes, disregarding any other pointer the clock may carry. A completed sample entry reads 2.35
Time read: 8.10
